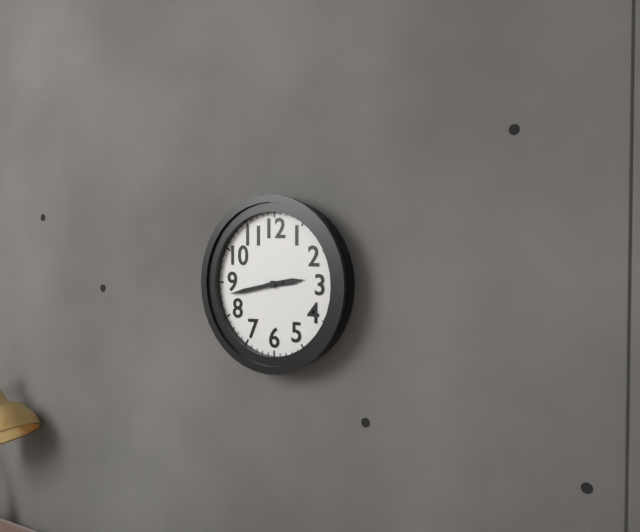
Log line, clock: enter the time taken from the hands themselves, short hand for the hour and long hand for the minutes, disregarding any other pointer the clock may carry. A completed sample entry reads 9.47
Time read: 2.43
